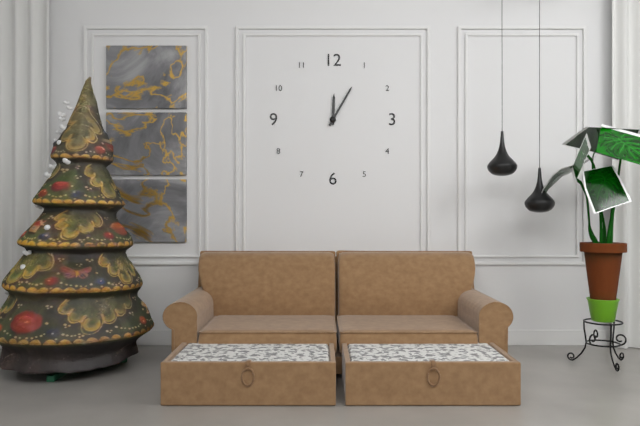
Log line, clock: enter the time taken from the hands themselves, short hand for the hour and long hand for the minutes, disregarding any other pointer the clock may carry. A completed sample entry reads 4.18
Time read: 12.05
